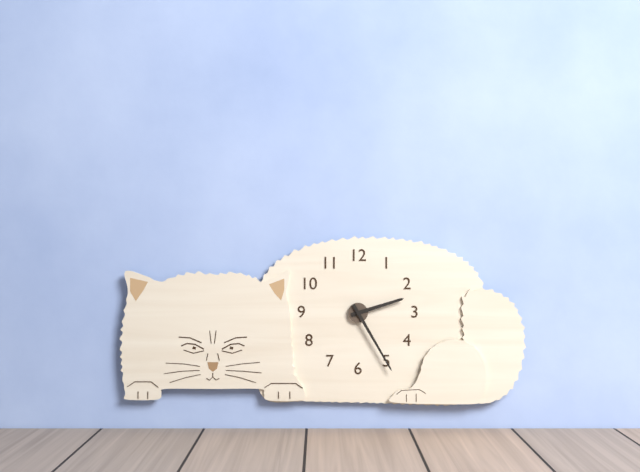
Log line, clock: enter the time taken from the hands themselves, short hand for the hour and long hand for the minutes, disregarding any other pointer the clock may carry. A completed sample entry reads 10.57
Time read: 2.25
